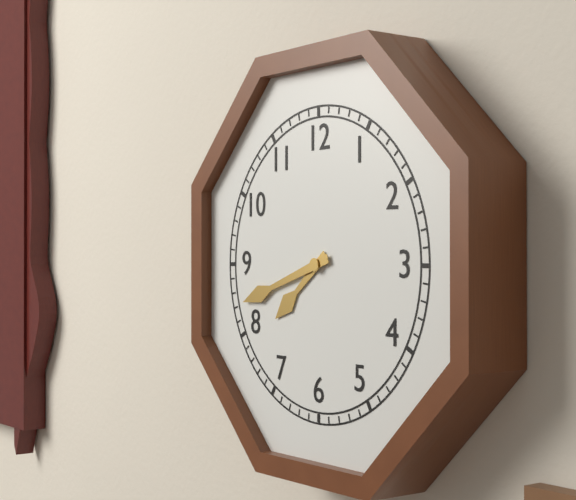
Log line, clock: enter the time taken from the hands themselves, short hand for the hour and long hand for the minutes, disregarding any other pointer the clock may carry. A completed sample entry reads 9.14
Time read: 7.42
